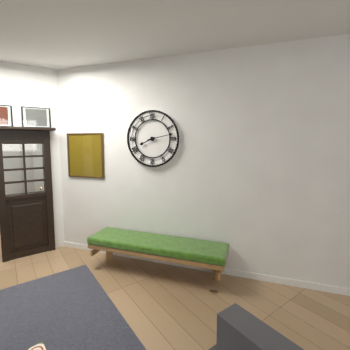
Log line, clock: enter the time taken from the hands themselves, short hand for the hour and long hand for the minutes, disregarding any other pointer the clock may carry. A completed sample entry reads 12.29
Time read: 8.13
